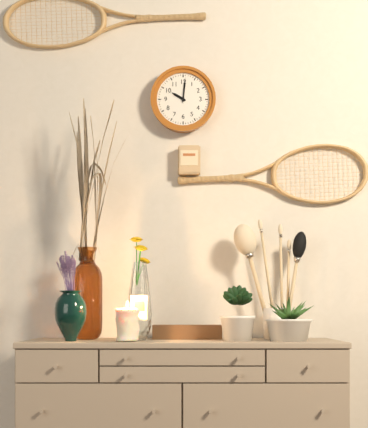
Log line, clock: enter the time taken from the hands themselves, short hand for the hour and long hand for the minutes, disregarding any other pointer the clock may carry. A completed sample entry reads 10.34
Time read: 10.01
